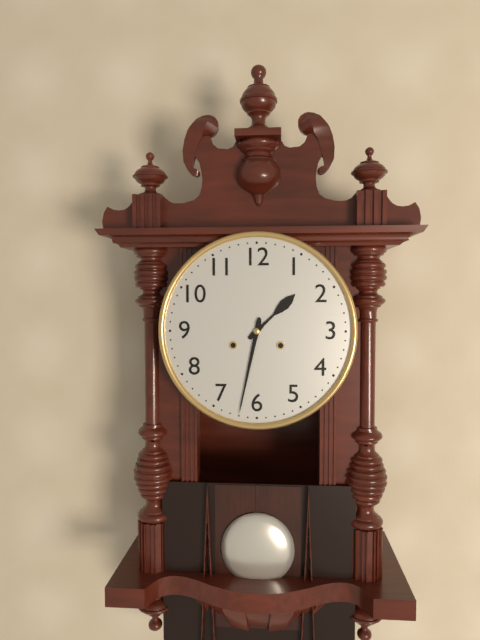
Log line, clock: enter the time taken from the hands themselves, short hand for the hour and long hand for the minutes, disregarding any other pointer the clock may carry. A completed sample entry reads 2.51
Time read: 1.32
